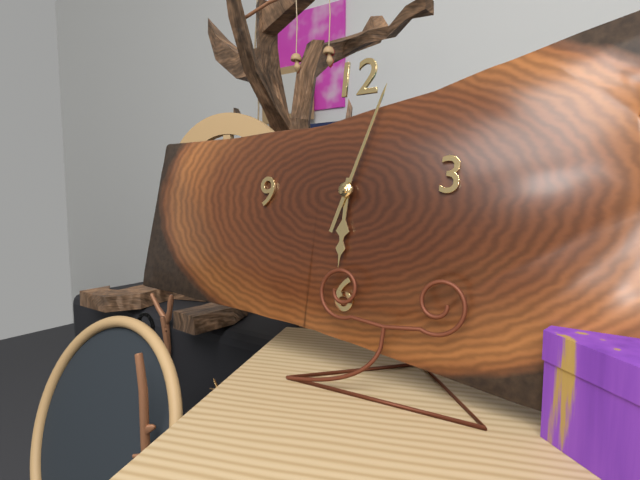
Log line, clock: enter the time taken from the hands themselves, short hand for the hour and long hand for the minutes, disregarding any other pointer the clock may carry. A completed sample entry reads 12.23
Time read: 6.03
